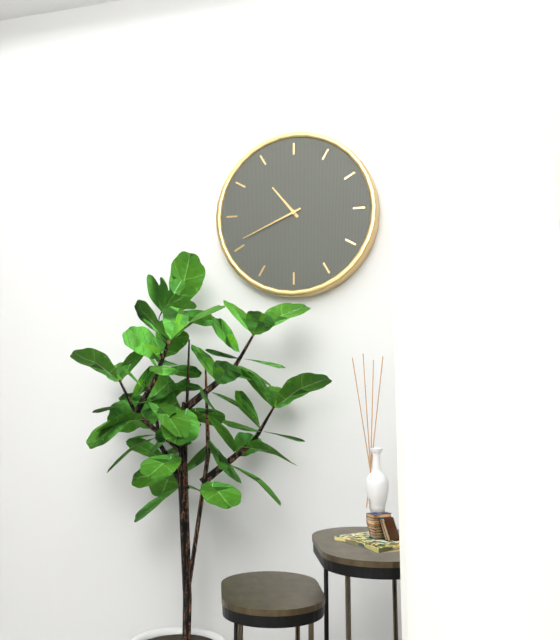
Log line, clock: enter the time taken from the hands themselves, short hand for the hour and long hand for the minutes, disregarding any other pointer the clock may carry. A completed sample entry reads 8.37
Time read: 10.41
